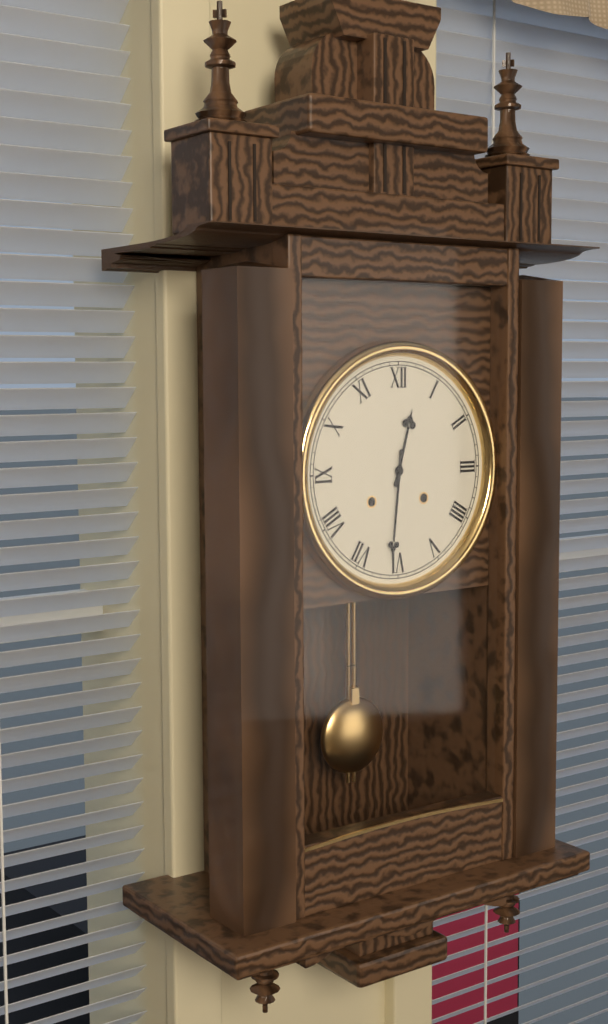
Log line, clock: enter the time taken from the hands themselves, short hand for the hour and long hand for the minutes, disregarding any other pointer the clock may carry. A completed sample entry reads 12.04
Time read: 12.31
